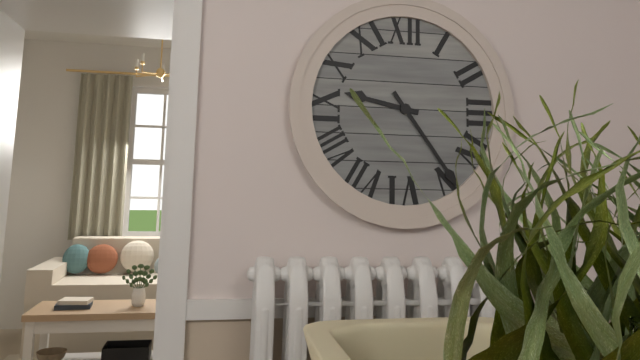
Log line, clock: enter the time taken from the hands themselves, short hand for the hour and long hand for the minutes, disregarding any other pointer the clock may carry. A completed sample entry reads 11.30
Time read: 9.24
